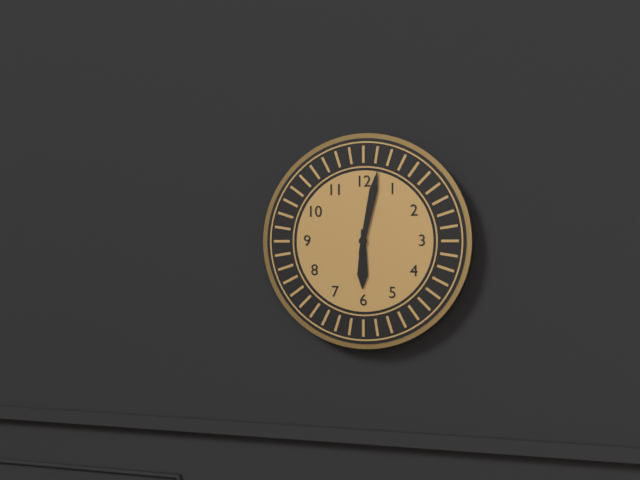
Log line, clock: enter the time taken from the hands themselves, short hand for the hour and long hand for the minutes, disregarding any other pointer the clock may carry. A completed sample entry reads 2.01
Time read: 6.02
